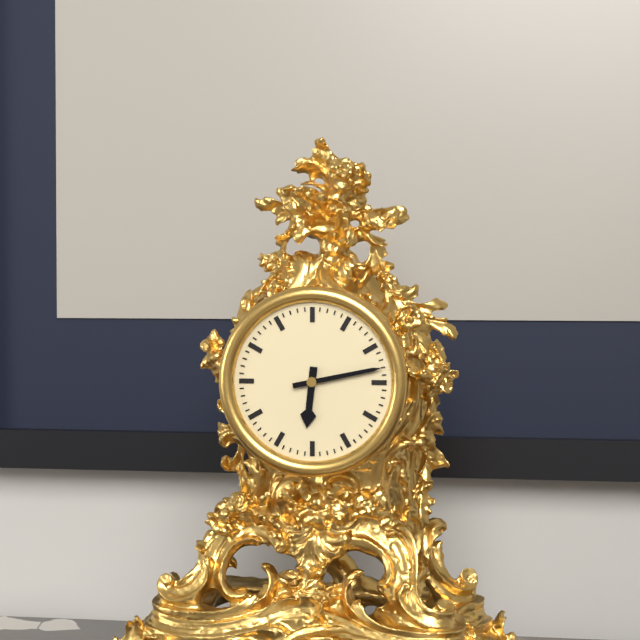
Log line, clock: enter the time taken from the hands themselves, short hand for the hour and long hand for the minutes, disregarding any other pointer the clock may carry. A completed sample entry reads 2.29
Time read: 6.13
